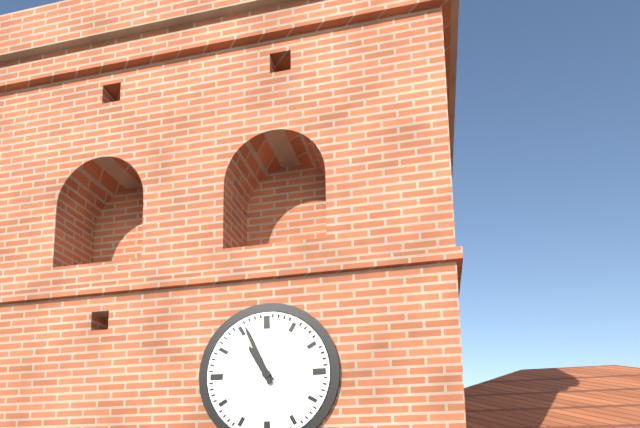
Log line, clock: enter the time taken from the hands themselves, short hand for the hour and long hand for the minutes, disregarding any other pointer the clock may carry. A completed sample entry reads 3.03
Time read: 10.56
